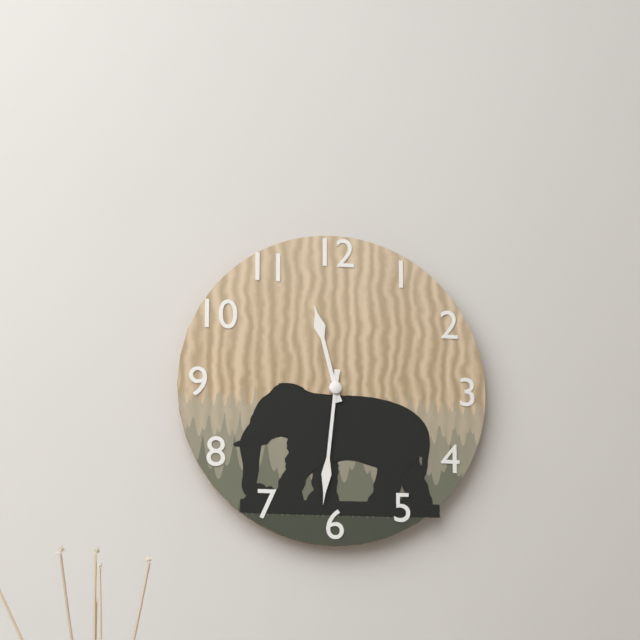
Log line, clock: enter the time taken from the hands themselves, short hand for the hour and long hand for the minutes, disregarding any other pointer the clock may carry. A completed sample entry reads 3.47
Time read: 11.31
